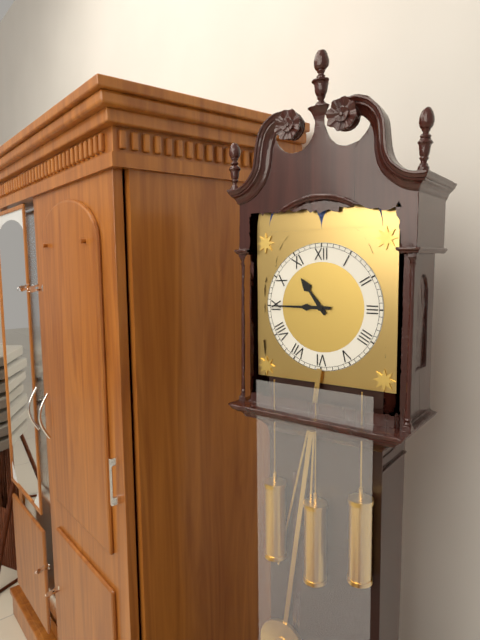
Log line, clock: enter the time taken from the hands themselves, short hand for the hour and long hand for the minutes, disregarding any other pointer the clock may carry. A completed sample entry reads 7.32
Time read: 10.45
